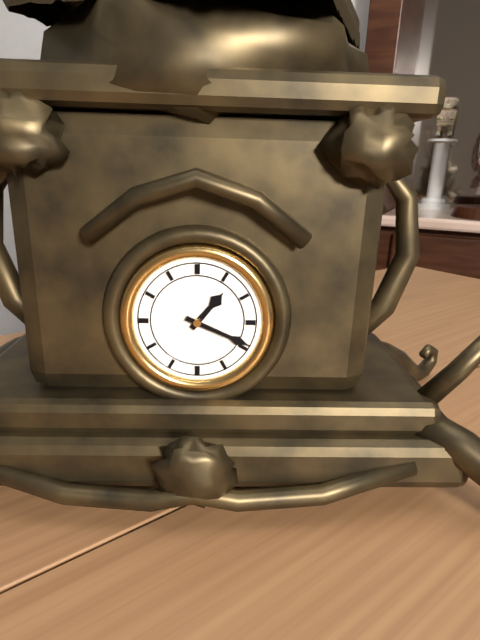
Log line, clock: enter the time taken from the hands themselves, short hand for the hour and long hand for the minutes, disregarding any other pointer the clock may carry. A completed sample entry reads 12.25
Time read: 1.19
